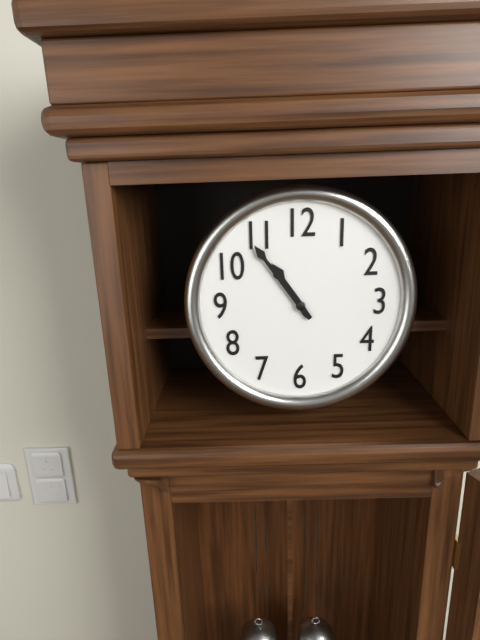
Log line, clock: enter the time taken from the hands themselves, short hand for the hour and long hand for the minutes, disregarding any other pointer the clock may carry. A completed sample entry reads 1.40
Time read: 10.54
